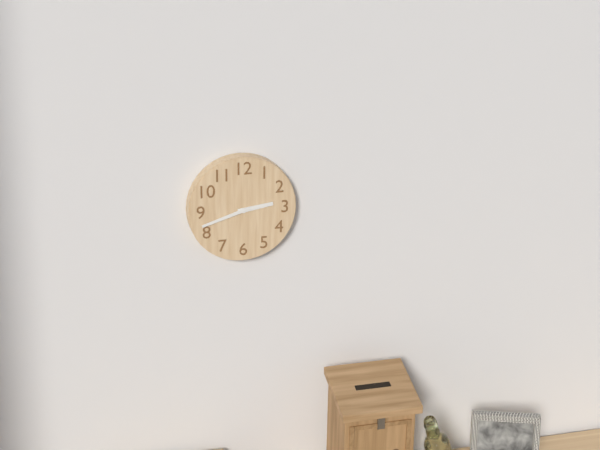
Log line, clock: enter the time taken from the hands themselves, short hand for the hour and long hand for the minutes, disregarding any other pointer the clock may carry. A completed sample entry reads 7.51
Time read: 2.42
